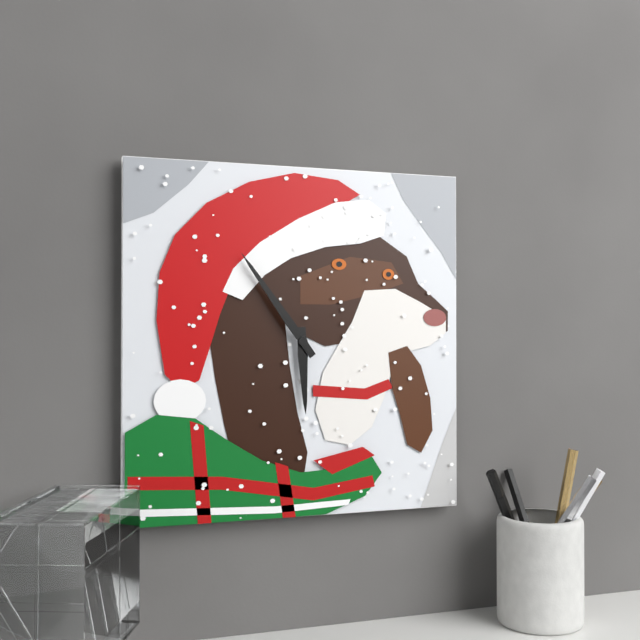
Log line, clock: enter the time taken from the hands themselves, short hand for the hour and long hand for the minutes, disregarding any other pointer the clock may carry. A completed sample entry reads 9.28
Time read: 5.54
